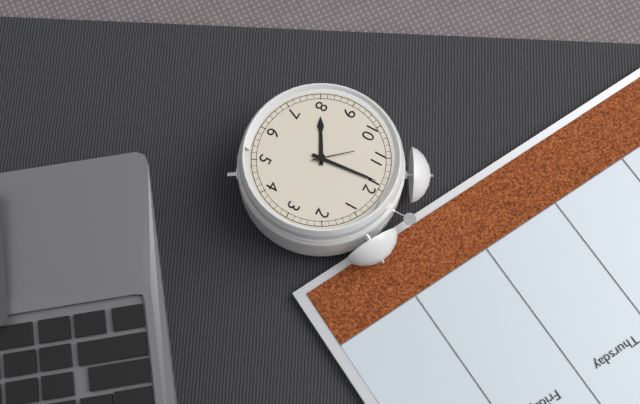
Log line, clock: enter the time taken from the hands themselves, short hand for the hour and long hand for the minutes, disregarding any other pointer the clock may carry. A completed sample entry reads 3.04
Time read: 7.59
